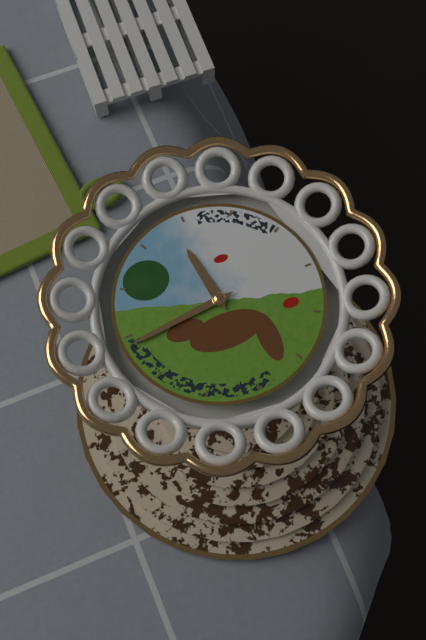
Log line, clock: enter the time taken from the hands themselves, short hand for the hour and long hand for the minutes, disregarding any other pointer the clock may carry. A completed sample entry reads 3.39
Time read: 11.44
